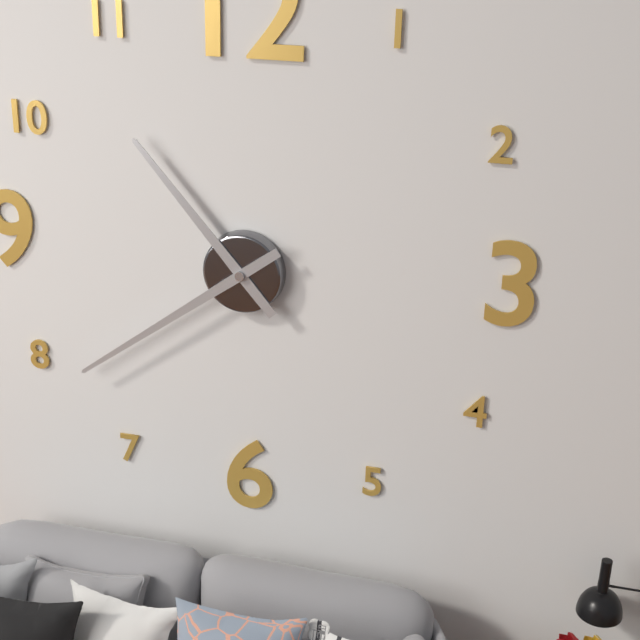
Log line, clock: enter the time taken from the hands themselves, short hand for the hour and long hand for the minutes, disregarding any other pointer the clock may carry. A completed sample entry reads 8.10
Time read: 10.39
